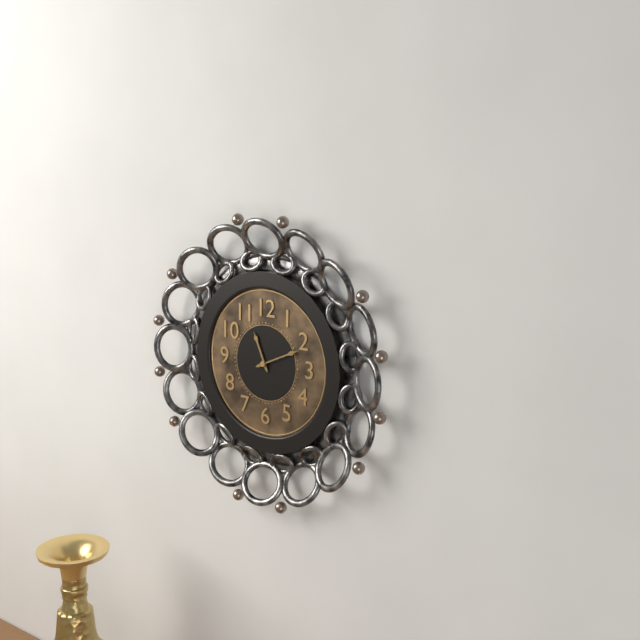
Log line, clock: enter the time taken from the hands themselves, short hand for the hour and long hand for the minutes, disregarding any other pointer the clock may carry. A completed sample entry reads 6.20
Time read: 11.11
